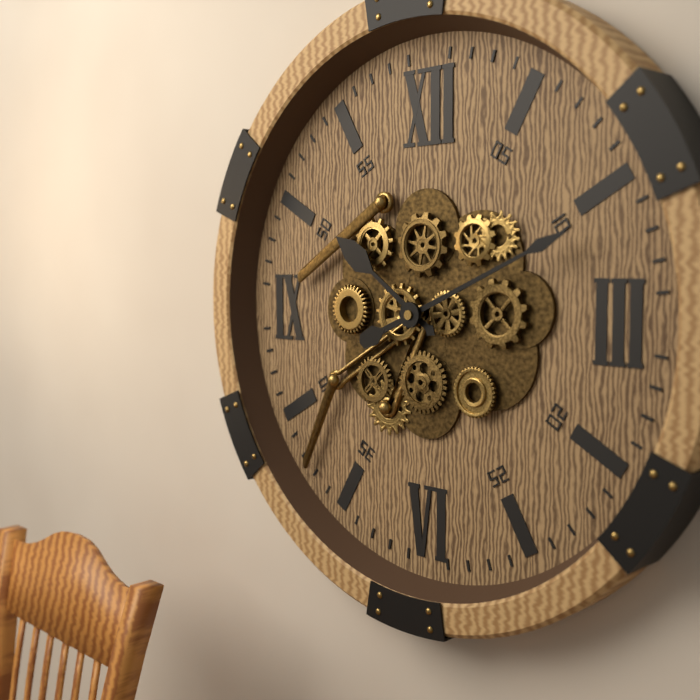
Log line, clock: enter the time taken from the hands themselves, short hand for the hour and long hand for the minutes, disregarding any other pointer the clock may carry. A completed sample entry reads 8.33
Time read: 10.11
